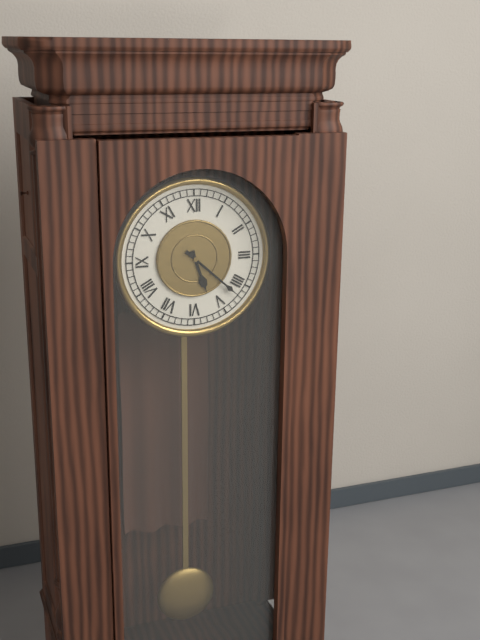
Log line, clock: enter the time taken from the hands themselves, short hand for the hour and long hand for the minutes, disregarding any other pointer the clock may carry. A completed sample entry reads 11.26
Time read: 5.22
